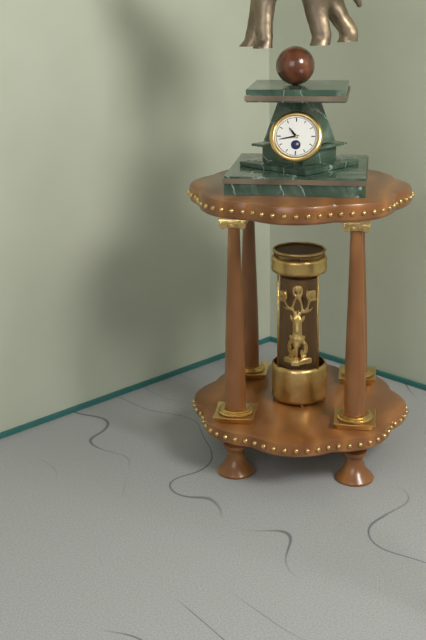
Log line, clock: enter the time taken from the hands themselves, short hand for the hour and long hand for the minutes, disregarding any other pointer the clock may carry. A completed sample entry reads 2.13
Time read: 10.43
